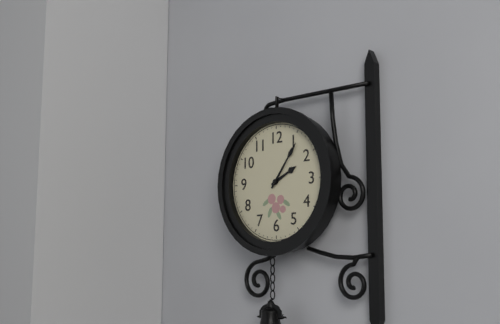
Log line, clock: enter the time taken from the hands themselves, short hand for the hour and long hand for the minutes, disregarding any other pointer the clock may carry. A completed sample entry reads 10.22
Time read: 2.06
